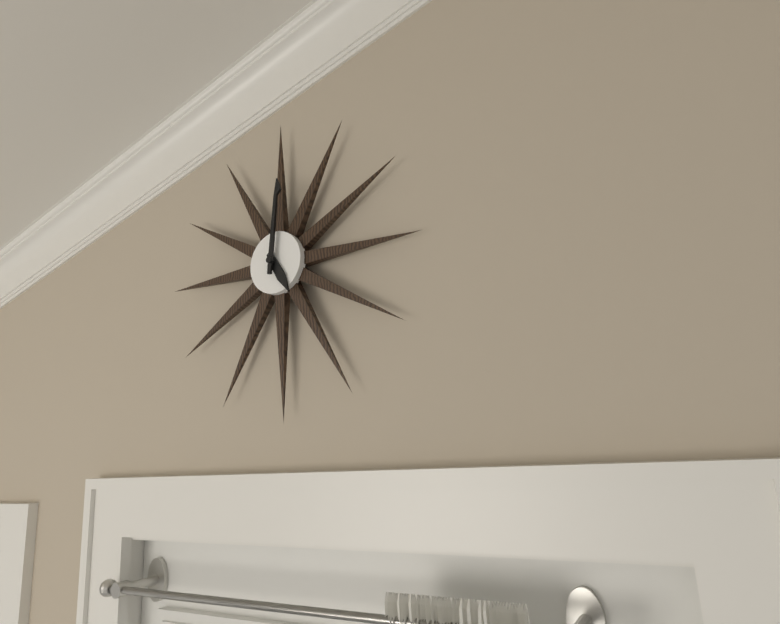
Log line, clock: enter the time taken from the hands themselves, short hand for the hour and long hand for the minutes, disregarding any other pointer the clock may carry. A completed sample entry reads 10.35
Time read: 5.01
